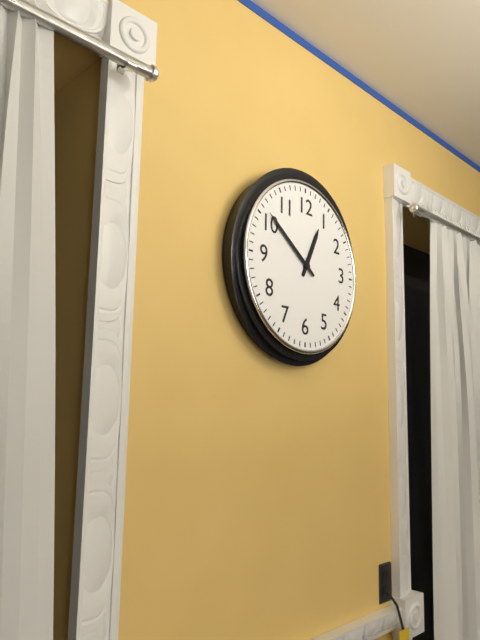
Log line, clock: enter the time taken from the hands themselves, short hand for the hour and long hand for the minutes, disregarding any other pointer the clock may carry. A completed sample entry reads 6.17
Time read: 12.51
